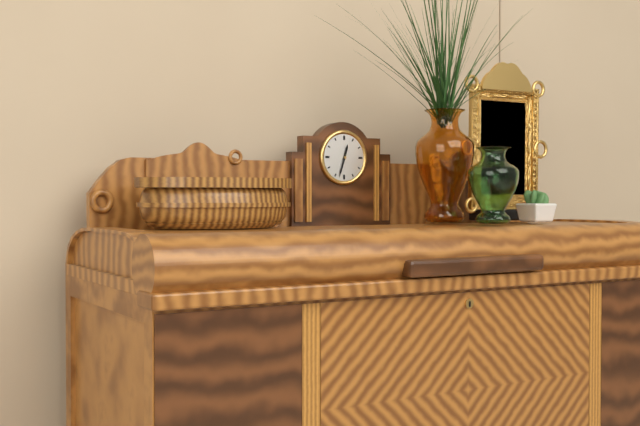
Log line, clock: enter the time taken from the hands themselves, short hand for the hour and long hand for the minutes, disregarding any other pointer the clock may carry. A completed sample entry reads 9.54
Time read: 12.33
